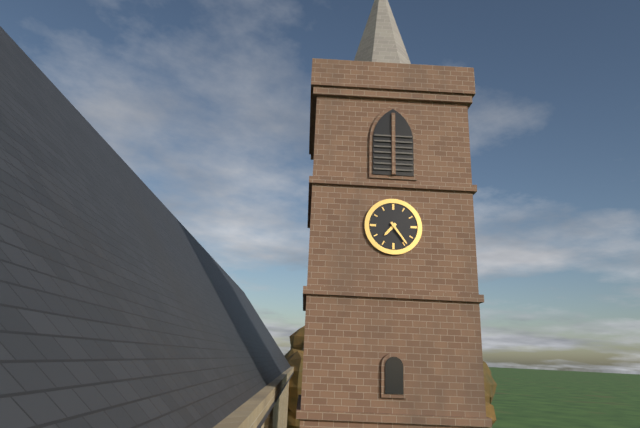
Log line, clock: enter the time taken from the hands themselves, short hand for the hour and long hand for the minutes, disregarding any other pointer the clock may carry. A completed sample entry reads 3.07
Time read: 7.24
